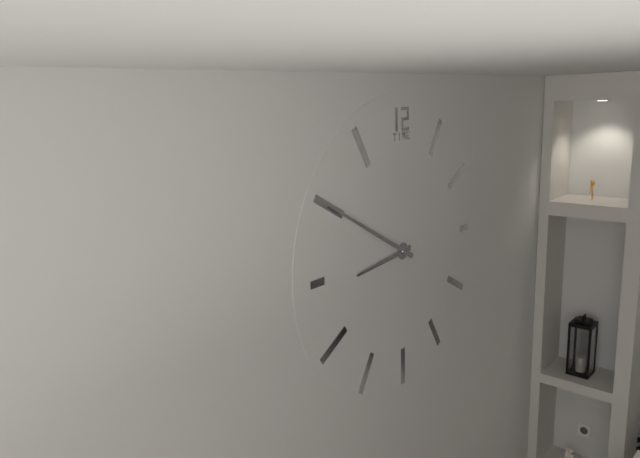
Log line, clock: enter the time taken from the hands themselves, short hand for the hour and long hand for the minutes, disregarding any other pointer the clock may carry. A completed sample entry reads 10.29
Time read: 8.50
